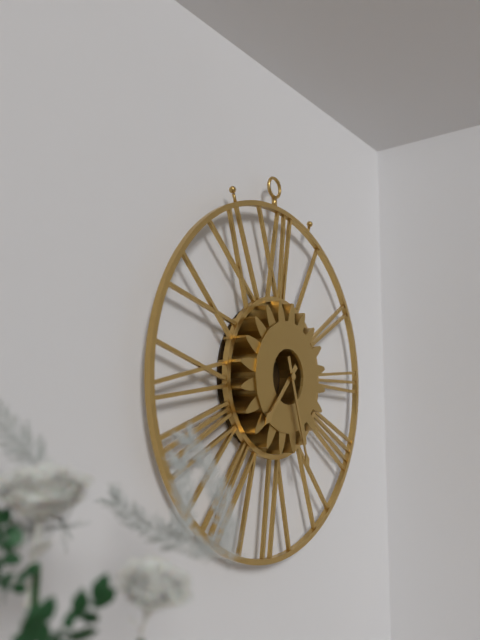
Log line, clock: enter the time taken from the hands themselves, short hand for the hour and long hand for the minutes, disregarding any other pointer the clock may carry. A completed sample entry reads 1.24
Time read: 7.27
